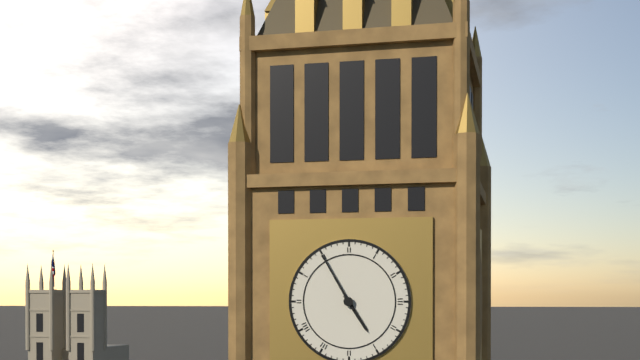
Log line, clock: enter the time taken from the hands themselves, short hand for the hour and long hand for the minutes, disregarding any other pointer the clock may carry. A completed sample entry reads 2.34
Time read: 4.55
